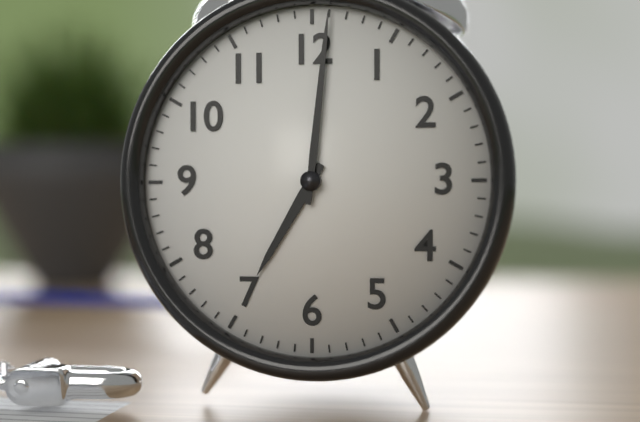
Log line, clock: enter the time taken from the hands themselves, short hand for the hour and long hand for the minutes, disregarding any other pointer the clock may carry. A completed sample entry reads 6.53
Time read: 7.01
